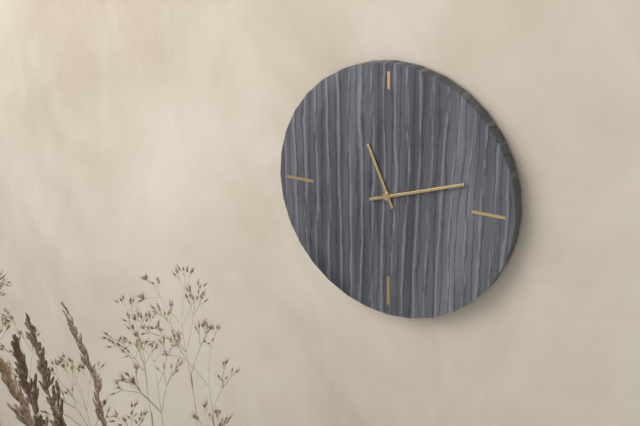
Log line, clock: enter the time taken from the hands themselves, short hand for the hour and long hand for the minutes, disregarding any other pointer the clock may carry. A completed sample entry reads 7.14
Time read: 11.12
